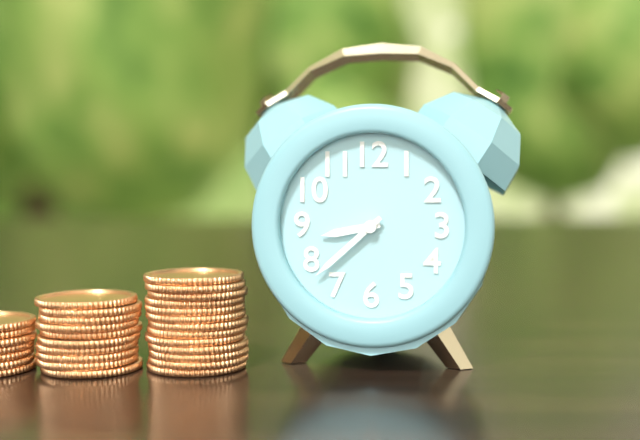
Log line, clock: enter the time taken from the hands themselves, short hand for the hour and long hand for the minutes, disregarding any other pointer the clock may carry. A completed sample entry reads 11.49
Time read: 8.38
